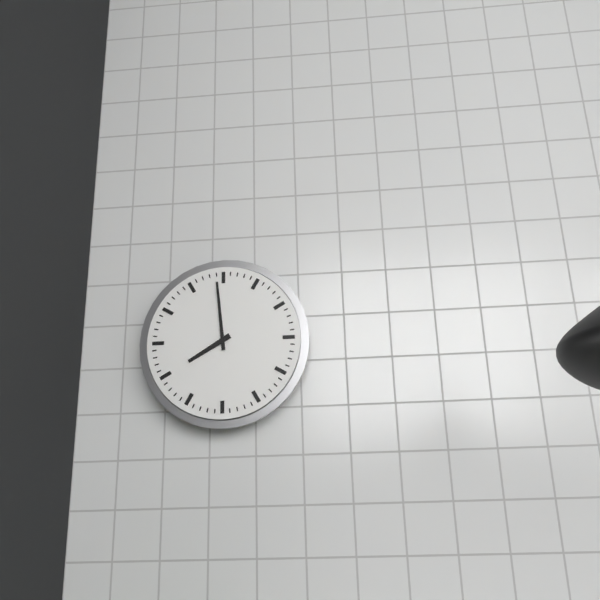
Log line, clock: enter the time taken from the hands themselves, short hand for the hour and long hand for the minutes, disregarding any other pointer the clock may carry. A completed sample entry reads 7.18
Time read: 7.59
